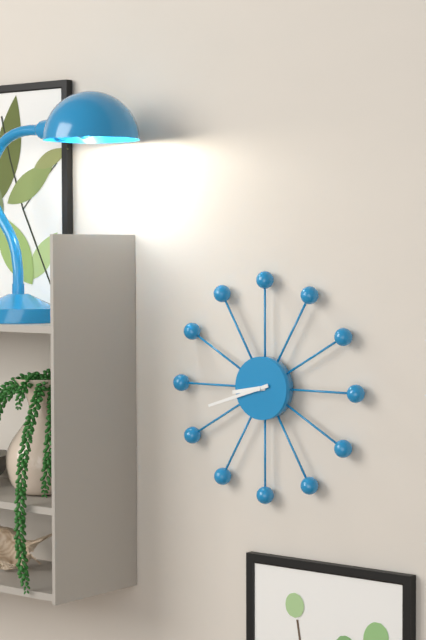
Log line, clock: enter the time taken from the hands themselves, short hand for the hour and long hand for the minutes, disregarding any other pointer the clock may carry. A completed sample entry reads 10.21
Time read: 8.42
